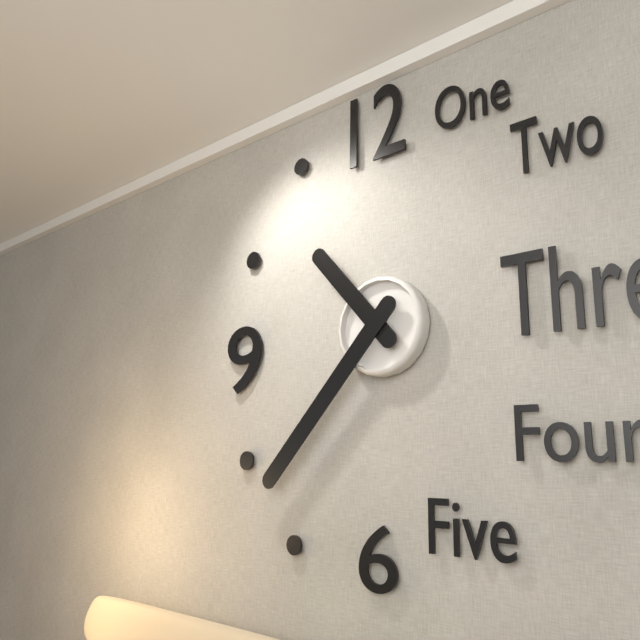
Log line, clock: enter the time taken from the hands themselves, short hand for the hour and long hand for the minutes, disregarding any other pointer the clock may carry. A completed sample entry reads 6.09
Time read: 10.37
